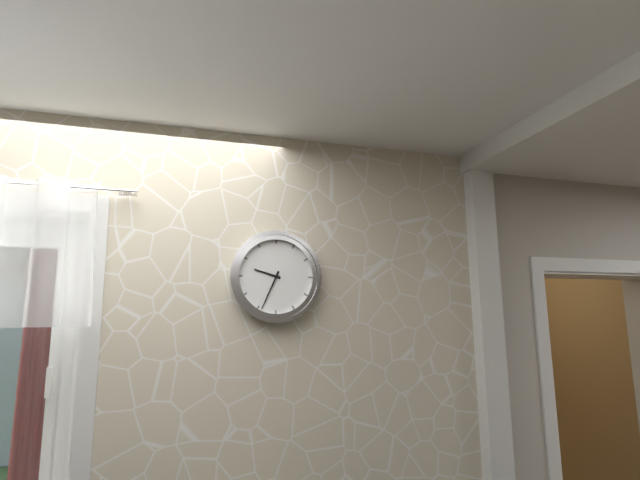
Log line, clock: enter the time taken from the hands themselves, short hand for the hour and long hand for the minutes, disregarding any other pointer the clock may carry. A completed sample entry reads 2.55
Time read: 9.34
